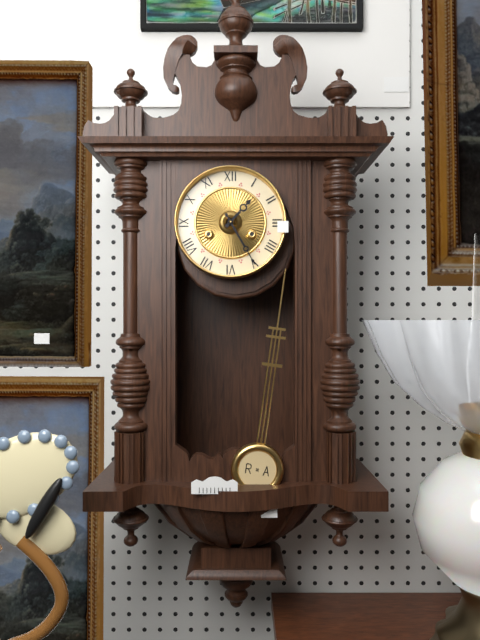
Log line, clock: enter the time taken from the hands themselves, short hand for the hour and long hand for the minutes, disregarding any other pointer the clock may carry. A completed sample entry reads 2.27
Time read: 1.25
